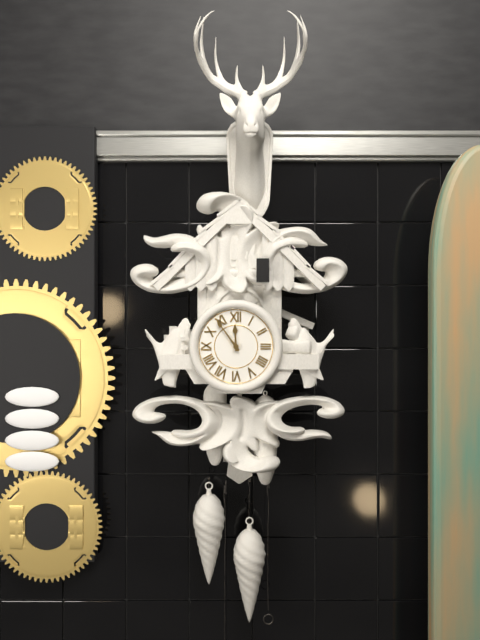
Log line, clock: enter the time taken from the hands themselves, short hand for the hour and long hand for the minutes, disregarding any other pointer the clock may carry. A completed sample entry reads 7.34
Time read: 11.54
